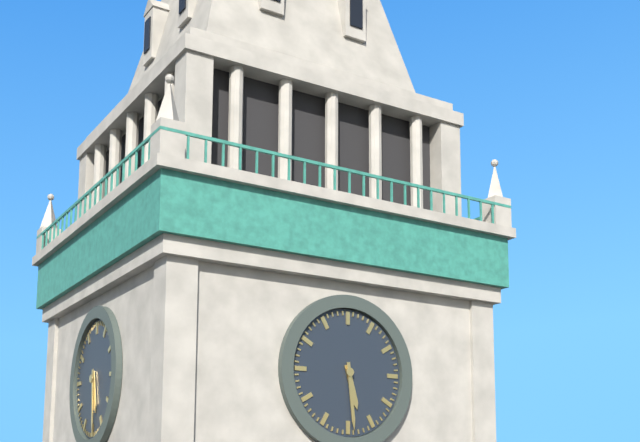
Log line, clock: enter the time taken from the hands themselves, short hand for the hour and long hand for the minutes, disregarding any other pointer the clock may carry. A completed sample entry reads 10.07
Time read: 5.29
